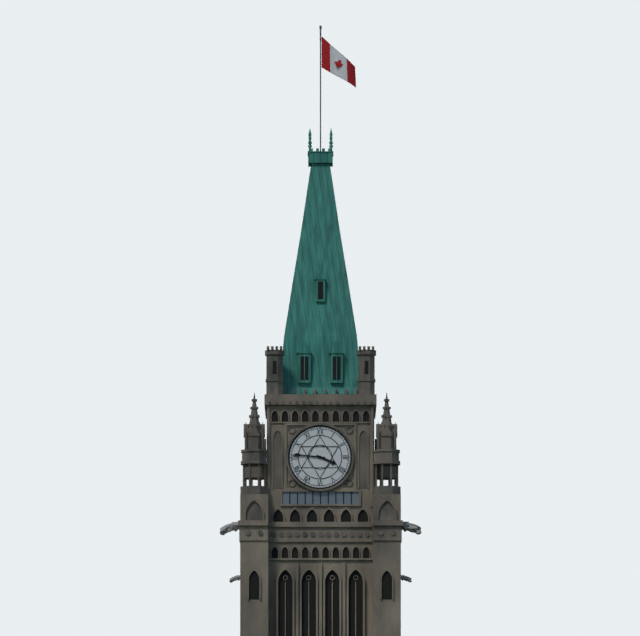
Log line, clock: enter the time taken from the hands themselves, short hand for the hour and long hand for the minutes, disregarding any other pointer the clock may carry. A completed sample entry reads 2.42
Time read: 3.46
